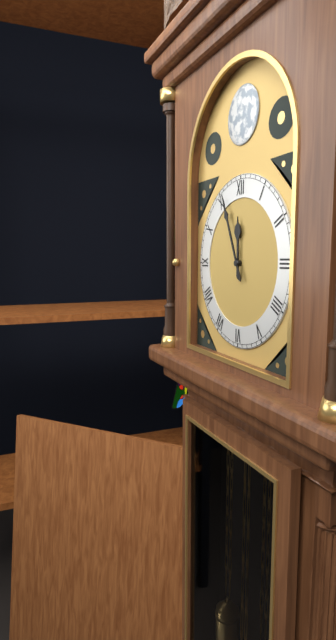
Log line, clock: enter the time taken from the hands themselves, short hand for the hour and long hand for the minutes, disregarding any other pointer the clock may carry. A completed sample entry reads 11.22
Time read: 11.56
